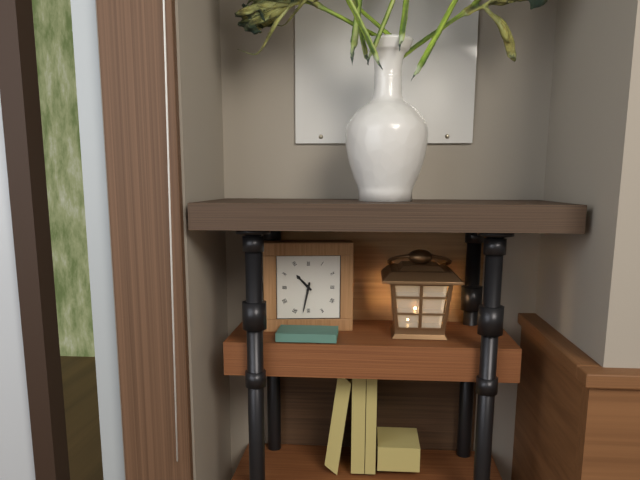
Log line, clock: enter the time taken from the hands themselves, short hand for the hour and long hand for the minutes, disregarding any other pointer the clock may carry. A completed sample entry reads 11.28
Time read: 10.32
